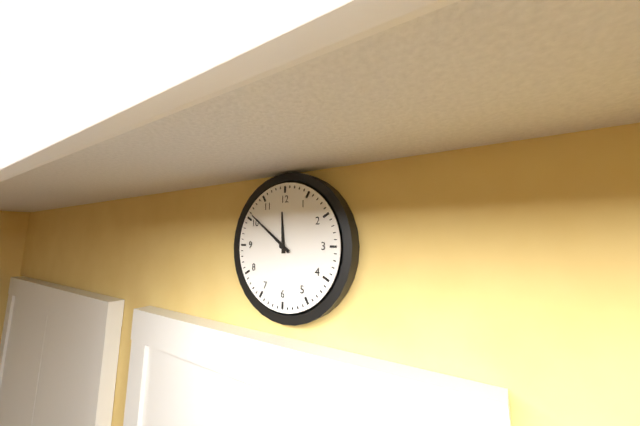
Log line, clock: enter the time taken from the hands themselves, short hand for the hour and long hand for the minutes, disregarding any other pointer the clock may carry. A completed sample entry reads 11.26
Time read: 11.51
